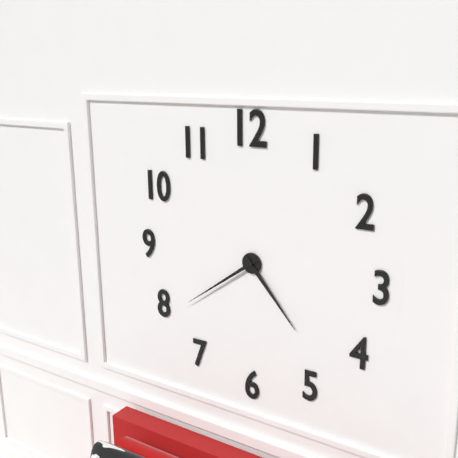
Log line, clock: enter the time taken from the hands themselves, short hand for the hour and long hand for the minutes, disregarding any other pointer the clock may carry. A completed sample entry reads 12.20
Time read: 4.39
